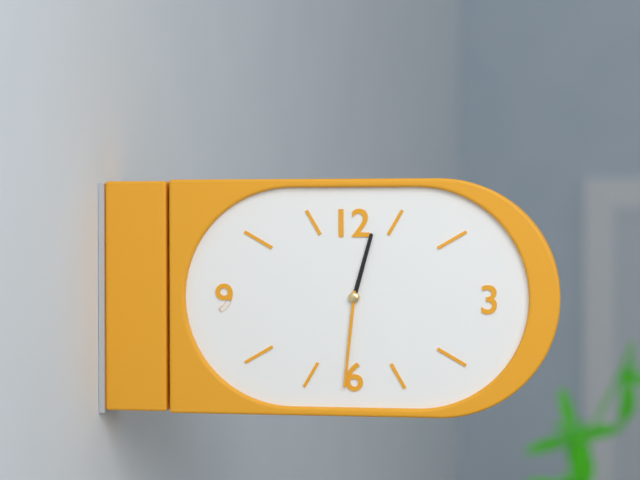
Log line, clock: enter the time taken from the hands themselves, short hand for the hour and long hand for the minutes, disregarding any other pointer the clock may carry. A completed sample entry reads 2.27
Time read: 12.31
